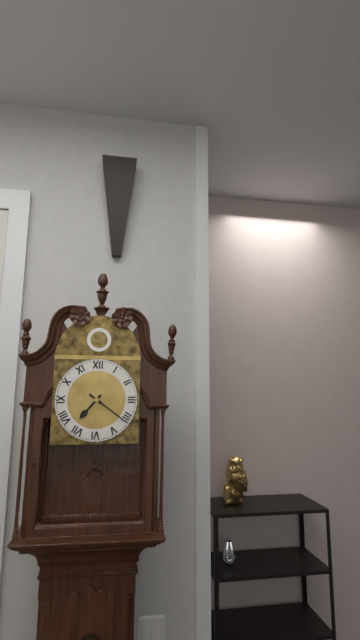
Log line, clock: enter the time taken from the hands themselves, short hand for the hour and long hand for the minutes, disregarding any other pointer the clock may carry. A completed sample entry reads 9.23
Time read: 7.21
